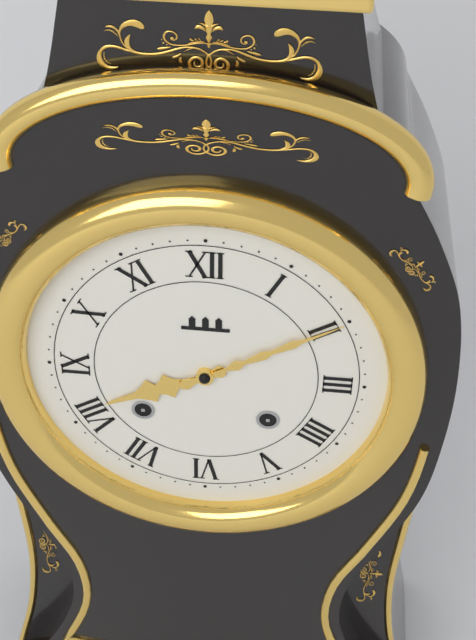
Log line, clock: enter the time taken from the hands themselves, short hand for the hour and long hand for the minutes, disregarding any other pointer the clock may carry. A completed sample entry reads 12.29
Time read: 8.10
